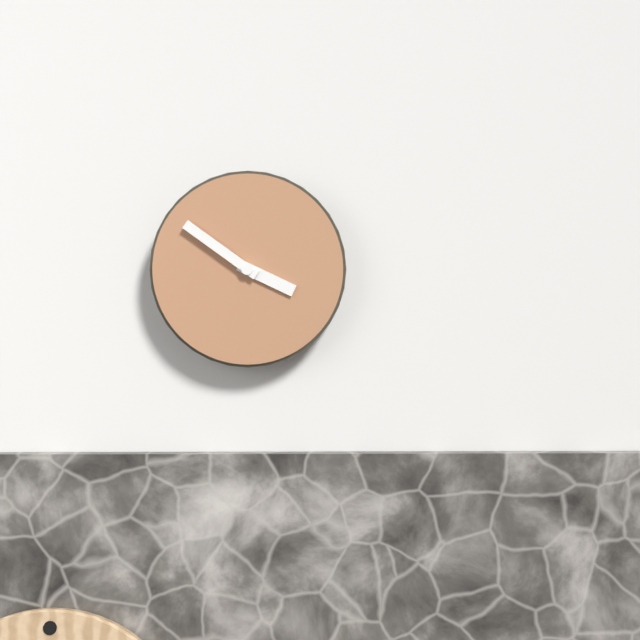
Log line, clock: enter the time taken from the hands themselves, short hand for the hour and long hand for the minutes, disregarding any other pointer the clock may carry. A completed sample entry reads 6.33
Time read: 3.51
